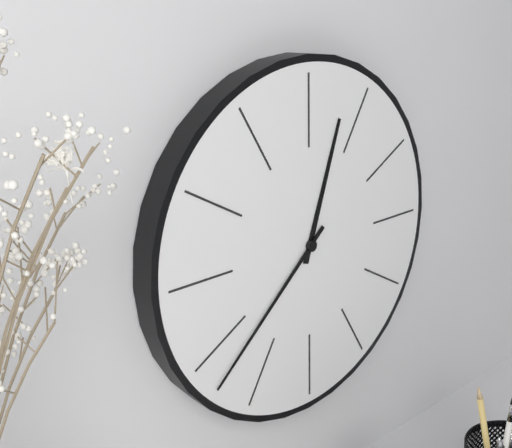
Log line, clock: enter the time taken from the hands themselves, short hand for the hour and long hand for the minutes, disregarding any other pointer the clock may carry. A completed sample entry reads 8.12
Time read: 12.38
